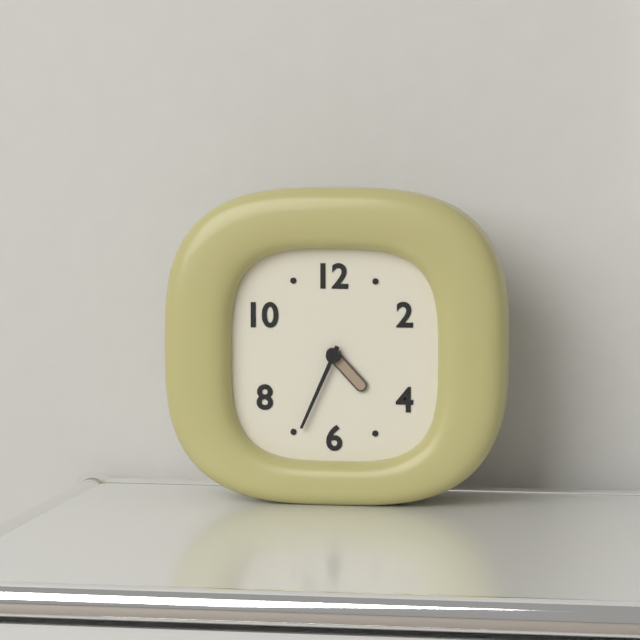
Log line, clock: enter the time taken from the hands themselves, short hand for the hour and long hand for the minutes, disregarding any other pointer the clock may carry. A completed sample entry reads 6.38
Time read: 4.34
